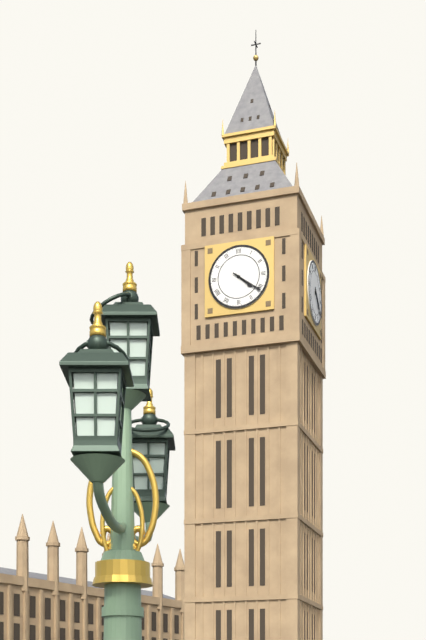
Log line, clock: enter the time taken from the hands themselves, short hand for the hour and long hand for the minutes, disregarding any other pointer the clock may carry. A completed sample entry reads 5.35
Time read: 4.21
